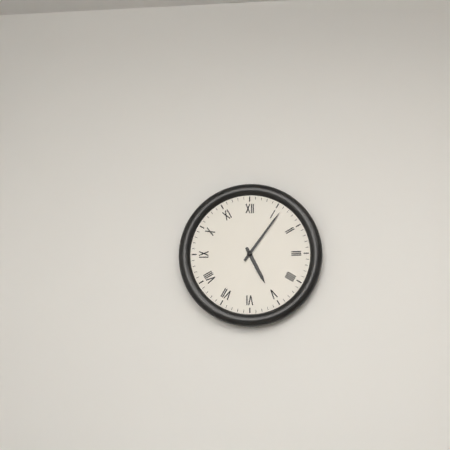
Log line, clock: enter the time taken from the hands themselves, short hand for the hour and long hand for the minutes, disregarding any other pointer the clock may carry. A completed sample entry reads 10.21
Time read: 5.06
